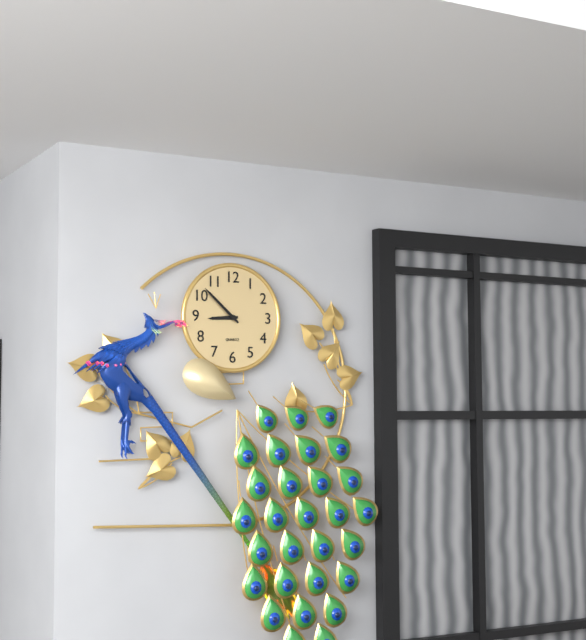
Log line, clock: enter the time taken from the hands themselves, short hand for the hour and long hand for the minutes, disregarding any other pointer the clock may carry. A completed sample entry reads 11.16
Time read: 8.52
